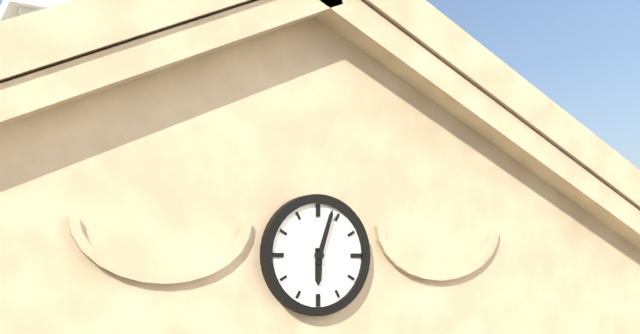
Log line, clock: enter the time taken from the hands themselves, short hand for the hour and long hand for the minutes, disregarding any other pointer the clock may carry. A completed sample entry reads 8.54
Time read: 6.03
